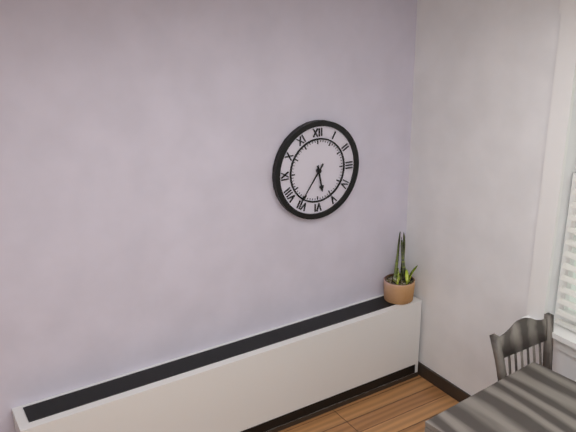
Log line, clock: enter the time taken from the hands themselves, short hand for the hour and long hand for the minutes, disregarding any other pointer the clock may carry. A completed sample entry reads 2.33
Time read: 5.36
